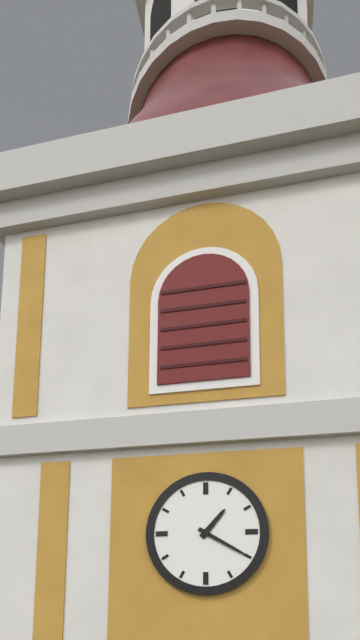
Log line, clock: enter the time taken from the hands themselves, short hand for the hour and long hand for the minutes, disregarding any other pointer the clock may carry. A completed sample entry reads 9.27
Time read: 1.20
